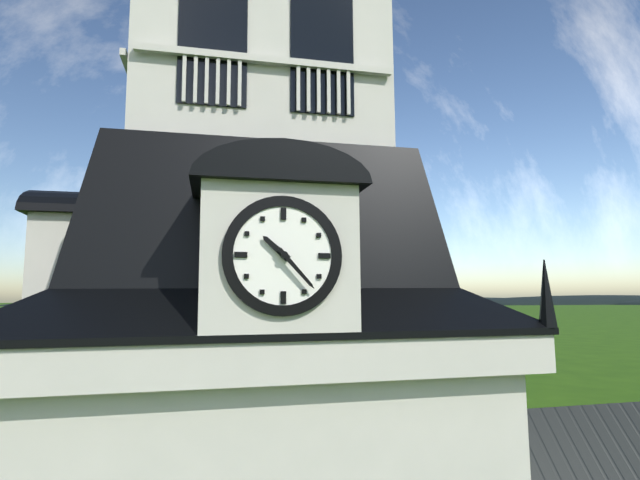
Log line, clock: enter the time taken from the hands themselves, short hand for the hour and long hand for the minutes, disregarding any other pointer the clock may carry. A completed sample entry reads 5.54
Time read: 10.23
